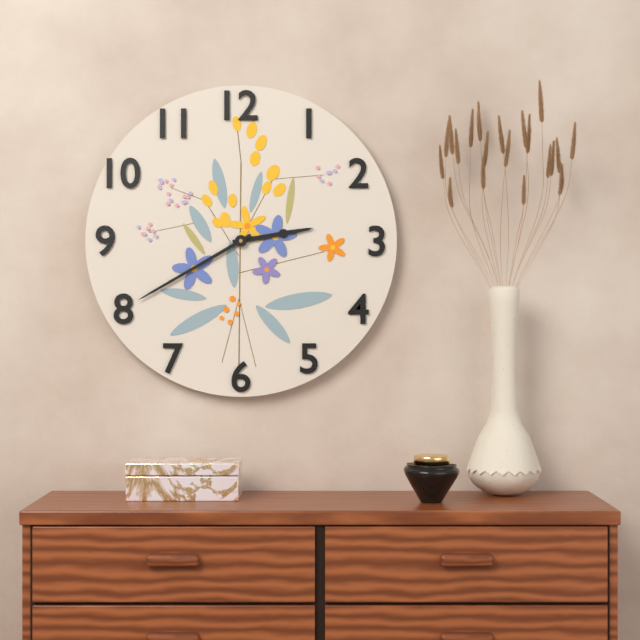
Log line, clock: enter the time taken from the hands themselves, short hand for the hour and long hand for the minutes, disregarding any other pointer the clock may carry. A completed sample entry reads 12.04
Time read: 2.40
